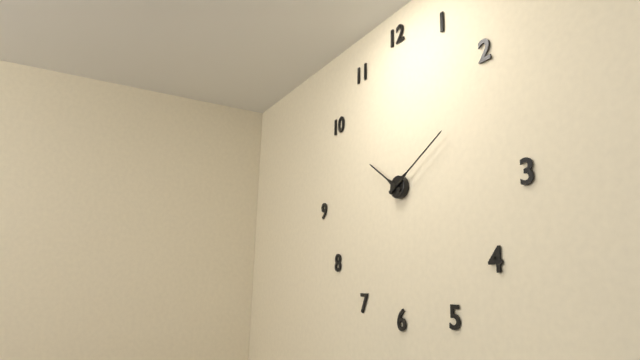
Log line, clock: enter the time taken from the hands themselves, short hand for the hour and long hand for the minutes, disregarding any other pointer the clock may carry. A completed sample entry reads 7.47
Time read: 10.10
